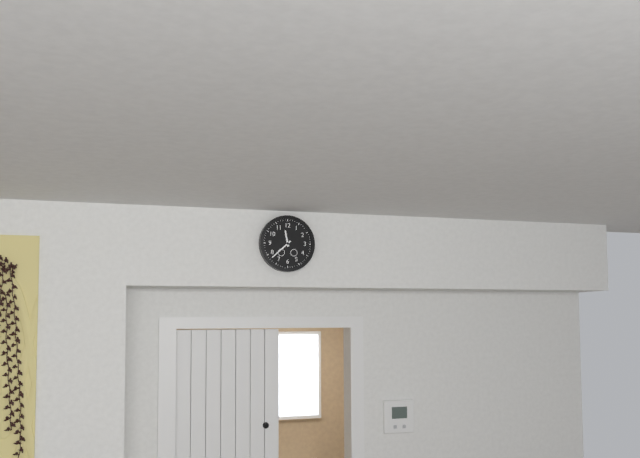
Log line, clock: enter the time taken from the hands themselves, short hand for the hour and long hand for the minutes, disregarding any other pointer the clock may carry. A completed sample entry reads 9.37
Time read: 11.38
